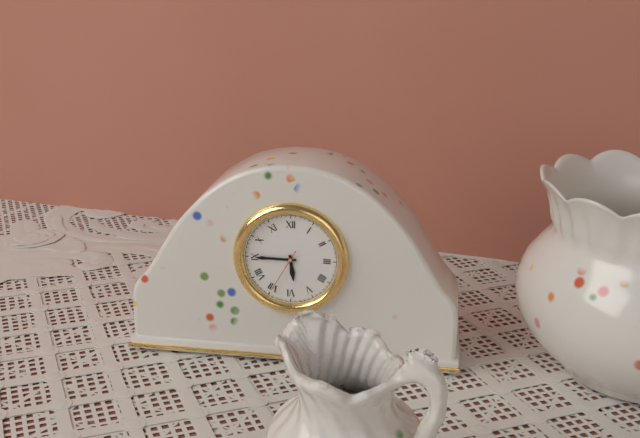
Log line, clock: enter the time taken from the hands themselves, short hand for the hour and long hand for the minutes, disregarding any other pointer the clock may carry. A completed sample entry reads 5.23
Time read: 5.45
